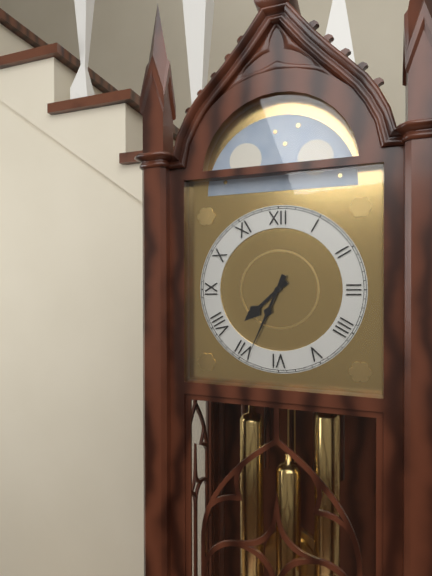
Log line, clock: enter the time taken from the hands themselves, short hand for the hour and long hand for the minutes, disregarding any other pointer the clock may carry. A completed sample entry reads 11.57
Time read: 7.34
